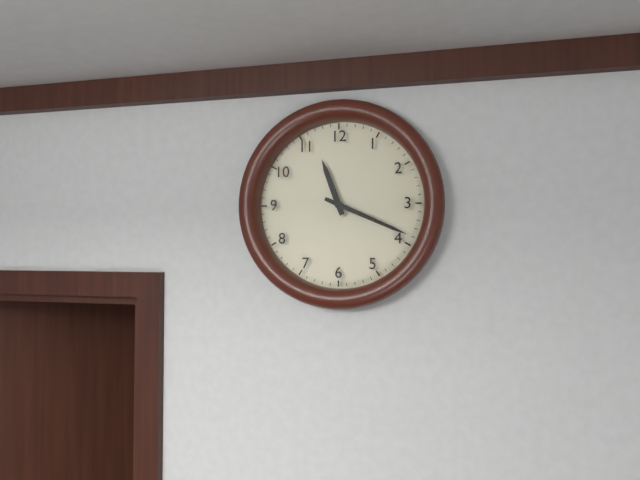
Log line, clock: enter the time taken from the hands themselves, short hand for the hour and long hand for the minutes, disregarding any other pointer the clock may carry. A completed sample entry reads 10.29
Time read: 11.19
